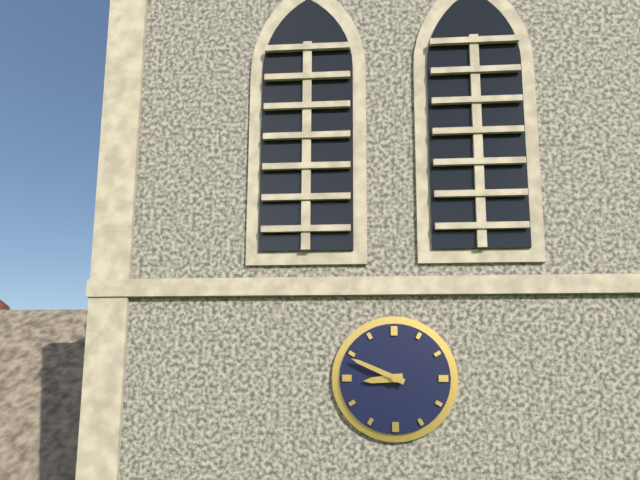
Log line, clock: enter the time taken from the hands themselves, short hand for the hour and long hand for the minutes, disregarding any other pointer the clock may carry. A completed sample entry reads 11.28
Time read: 8.49
